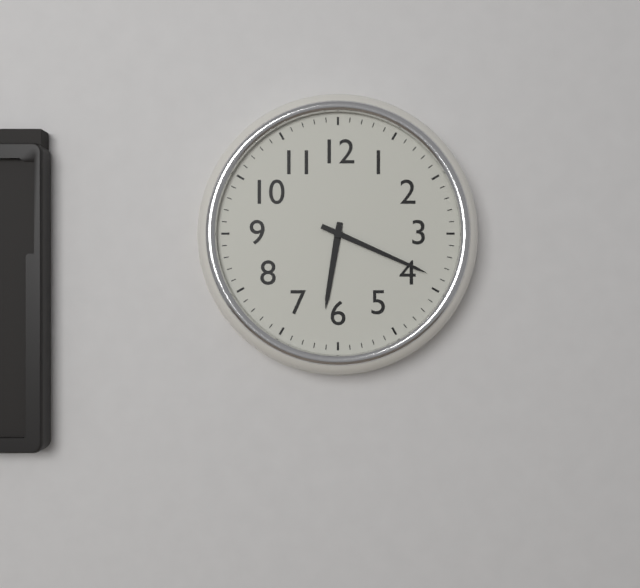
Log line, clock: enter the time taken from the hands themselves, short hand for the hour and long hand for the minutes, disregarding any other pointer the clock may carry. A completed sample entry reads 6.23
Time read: 6.19
